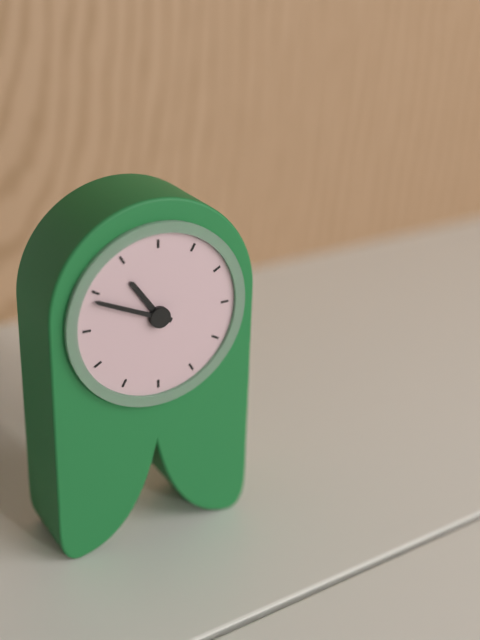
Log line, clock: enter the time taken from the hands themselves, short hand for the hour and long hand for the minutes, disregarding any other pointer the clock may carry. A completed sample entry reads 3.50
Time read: 10.49
